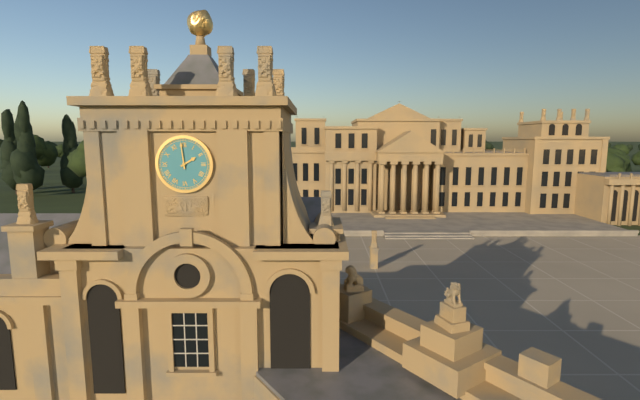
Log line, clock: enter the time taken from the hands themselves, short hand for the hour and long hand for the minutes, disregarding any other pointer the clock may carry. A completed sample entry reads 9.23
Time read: 1.59
